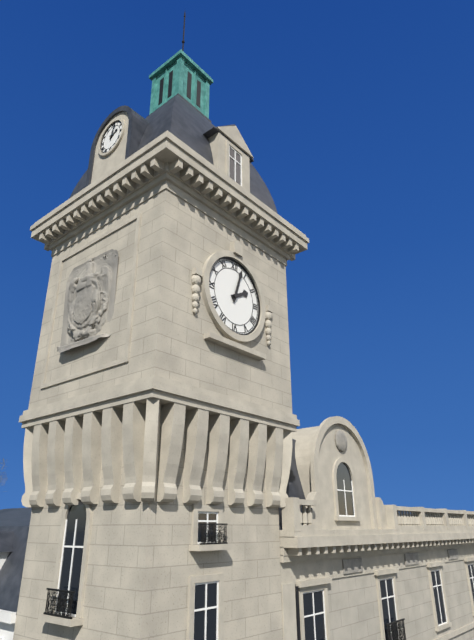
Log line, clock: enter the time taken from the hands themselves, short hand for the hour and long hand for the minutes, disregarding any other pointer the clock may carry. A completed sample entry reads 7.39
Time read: 2.03
